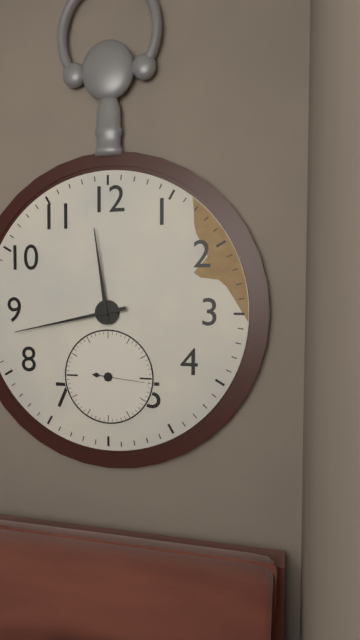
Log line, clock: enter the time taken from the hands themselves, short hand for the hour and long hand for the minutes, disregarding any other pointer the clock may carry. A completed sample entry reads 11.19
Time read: 11.43
